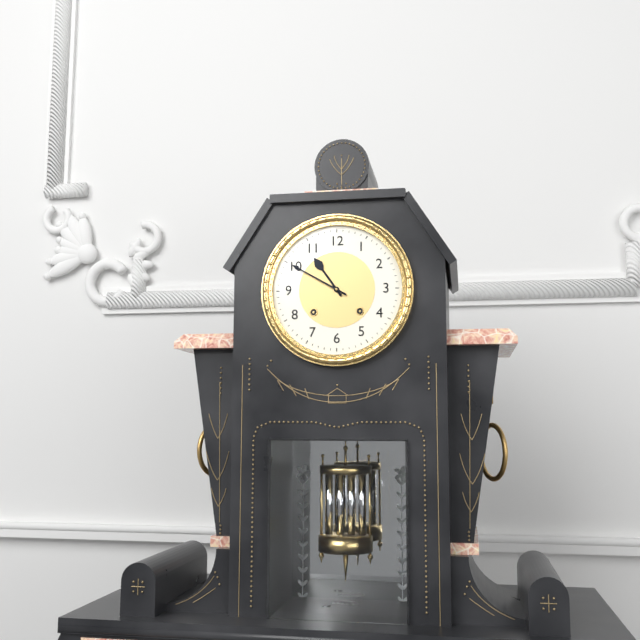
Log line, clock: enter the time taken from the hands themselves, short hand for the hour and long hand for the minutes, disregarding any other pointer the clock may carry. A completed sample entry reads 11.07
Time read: 10.50
